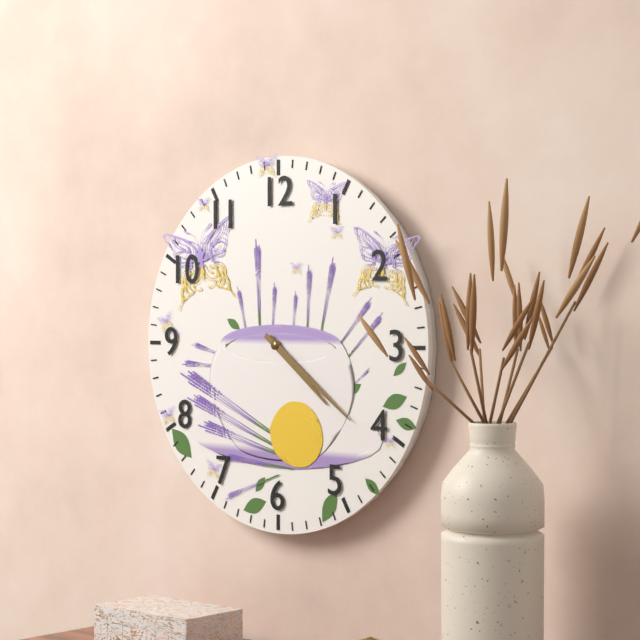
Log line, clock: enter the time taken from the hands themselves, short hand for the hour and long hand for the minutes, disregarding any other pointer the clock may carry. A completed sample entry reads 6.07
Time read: 4.21
